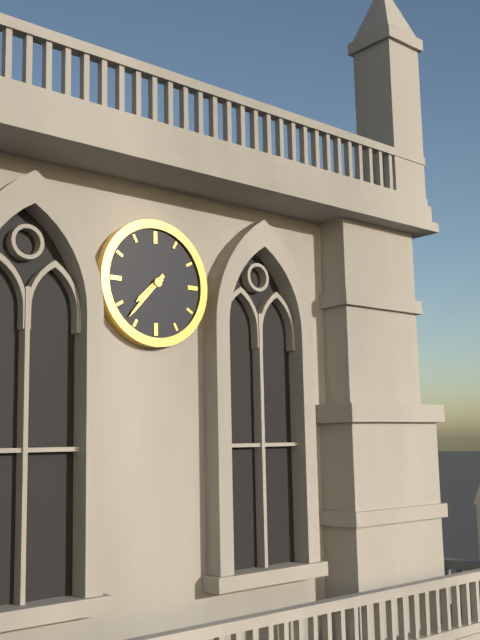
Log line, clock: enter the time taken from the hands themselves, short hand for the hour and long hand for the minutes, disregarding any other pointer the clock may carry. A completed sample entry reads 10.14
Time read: 7.37
